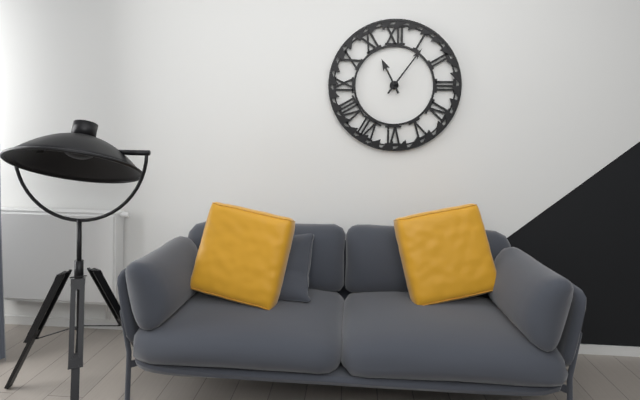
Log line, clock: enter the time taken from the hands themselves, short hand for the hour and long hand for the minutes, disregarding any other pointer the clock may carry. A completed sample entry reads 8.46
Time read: 11.06
